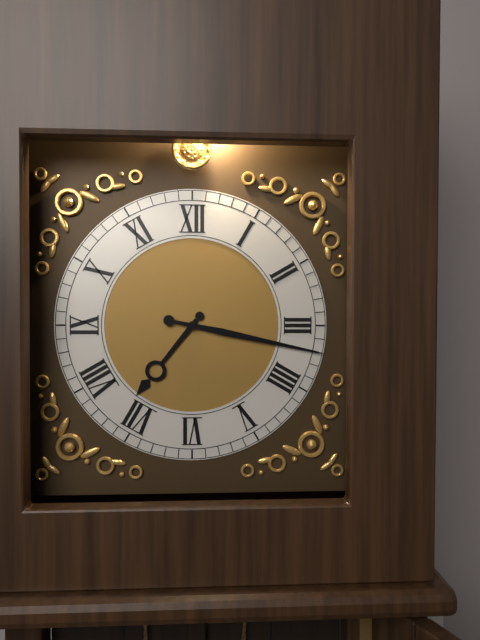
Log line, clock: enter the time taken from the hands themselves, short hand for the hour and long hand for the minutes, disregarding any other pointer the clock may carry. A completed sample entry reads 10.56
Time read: 7.17
